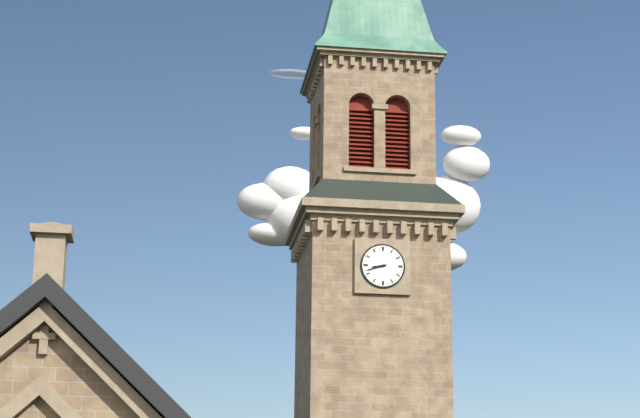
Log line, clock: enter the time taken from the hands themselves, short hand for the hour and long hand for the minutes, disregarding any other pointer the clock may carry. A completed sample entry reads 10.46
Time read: 8.42
